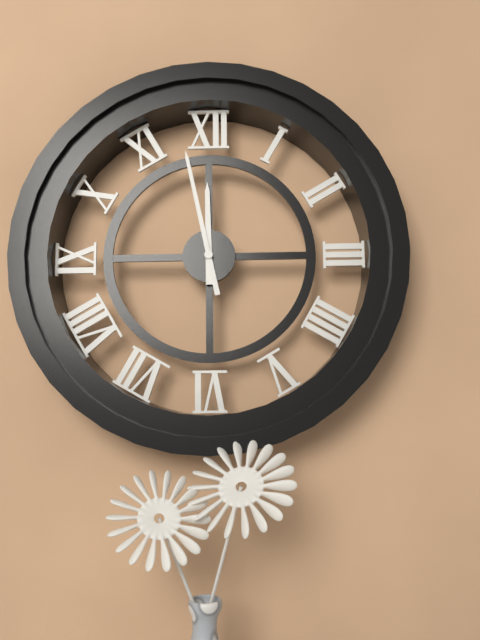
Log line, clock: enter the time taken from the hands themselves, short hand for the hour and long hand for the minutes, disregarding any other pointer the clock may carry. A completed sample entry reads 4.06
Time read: 11.58
